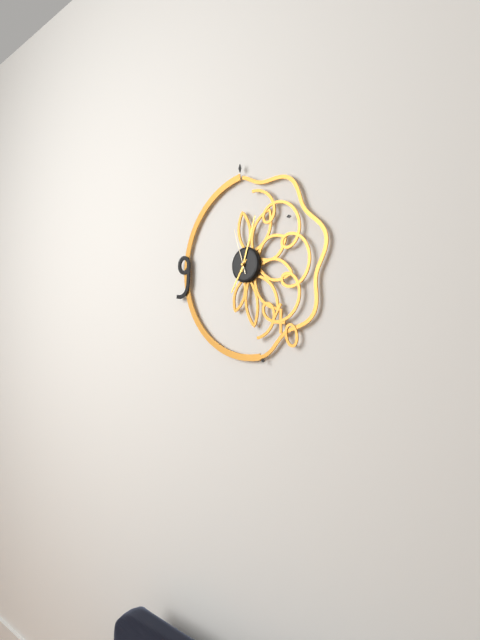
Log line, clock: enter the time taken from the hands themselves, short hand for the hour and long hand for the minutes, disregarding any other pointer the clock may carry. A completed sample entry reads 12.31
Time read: 7.03
